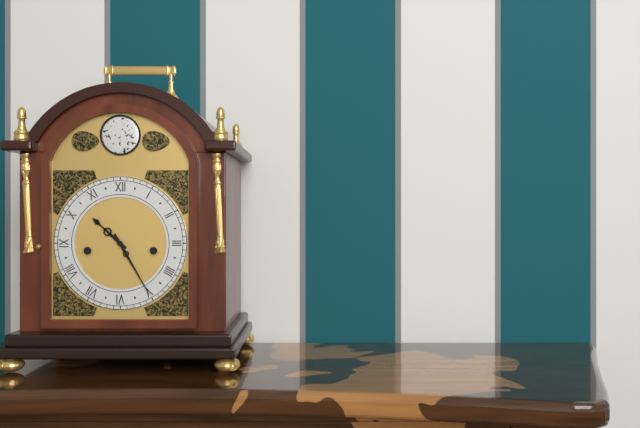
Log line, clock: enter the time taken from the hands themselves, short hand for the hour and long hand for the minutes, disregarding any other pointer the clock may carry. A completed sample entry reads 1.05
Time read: 10.25
